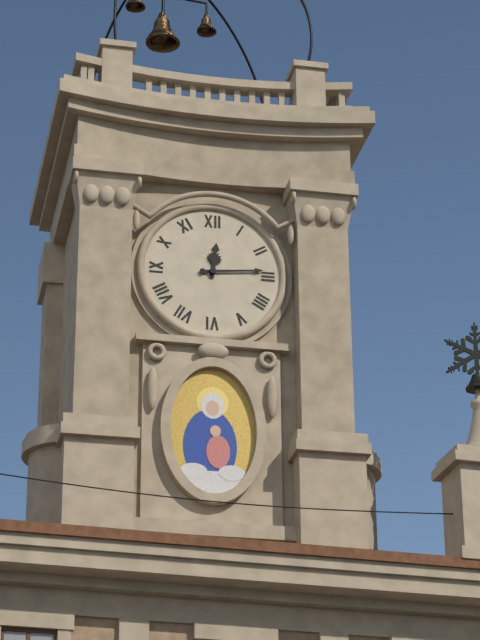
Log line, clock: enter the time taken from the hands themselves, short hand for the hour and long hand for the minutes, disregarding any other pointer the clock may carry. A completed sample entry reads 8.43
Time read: 12.14
